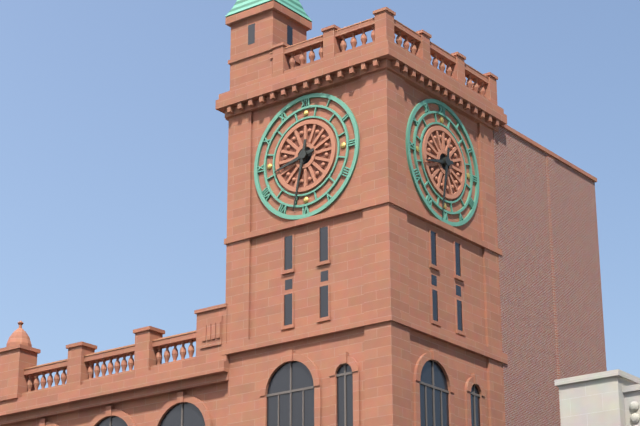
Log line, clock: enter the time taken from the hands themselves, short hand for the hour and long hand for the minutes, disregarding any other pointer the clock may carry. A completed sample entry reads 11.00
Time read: 8.32
